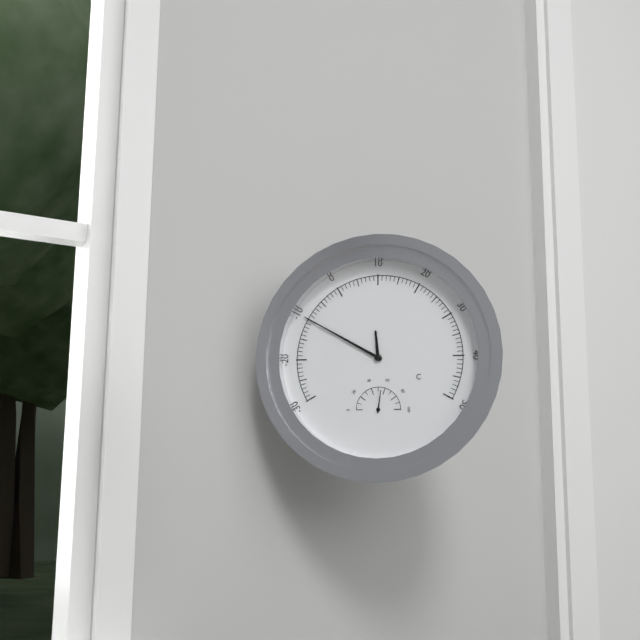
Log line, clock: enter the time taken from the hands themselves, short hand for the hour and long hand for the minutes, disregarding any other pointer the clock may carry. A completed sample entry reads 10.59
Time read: 11.50
